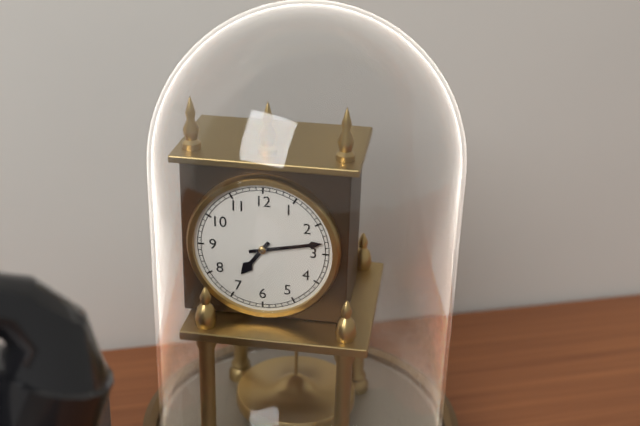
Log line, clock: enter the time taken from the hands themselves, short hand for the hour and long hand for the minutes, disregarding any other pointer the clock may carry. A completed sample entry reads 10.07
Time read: 7.13
